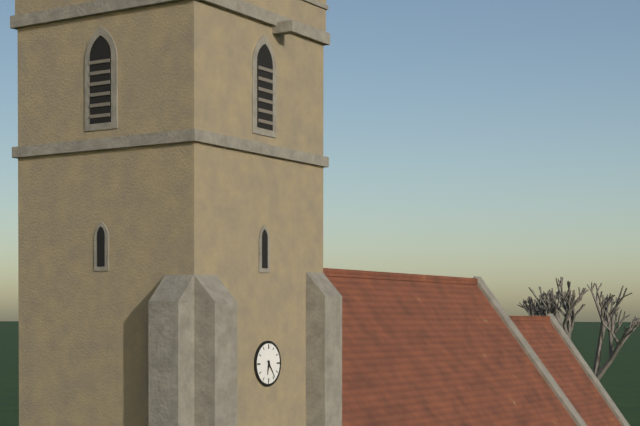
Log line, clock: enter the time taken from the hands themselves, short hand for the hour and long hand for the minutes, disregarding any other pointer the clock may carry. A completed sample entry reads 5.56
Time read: 6.24
